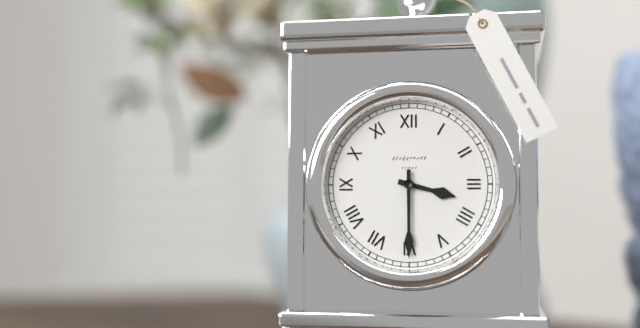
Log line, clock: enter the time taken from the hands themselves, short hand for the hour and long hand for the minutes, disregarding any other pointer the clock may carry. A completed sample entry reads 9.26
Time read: 3.30
